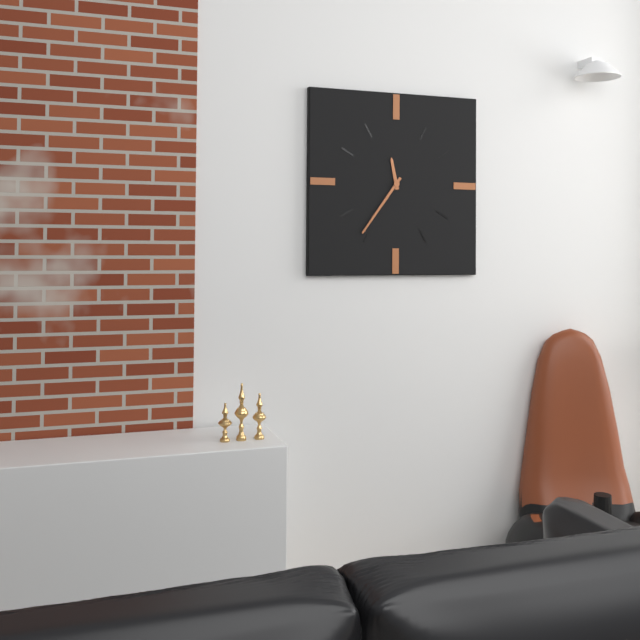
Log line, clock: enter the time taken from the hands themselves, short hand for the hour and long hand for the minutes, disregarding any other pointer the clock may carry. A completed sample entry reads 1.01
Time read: 11.36
